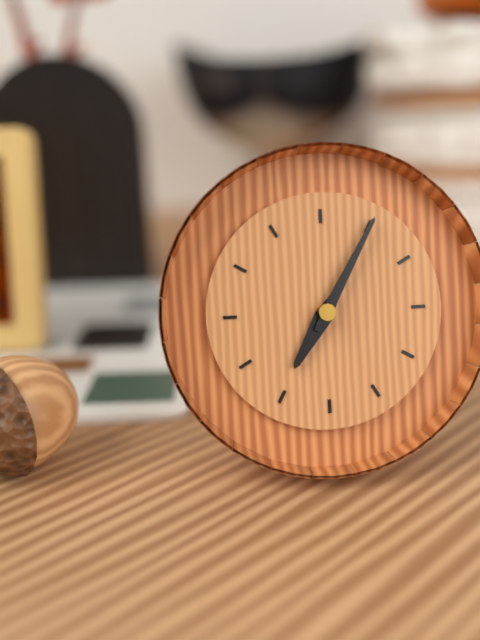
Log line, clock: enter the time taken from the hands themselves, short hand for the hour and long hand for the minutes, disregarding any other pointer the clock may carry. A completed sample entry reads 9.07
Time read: 7.05
